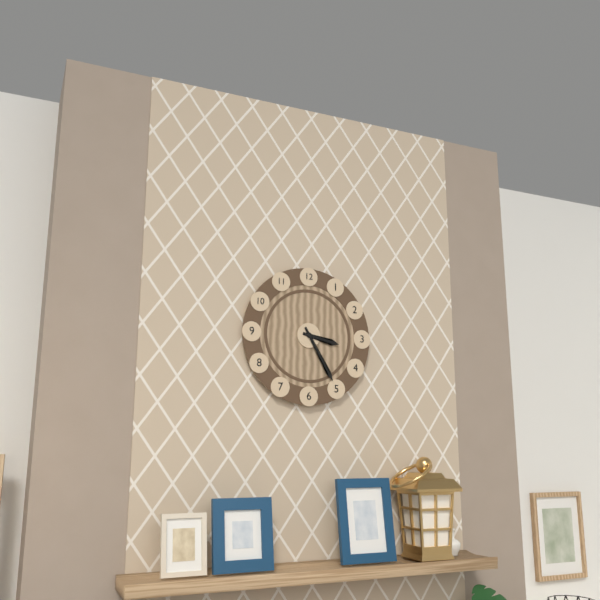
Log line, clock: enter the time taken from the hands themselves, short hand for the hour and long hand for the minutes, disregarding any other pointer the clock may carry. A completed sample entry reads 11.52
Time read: 3.25
